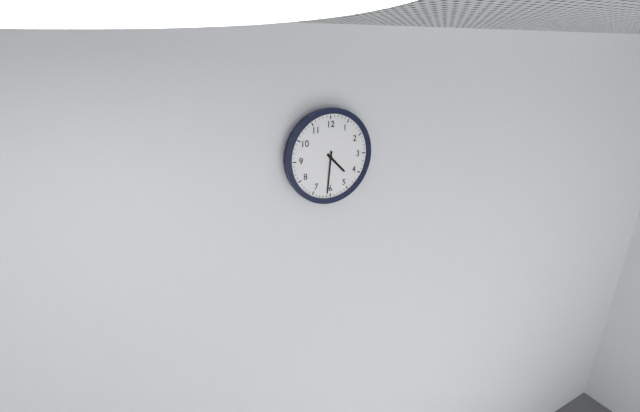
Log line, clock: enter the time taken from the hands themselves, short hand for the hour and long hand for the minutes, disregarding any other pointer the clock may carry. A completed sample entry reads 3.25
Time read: 4.31
